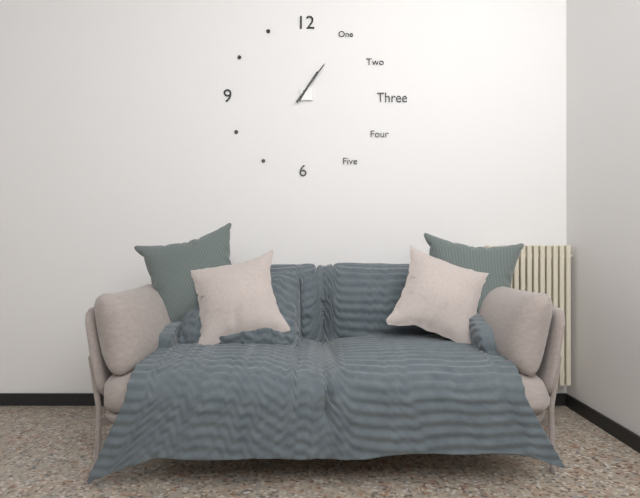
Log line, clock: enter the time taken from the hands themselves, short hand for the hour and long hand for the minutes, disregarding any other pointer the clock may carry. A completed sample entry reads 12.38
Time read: 1.06
